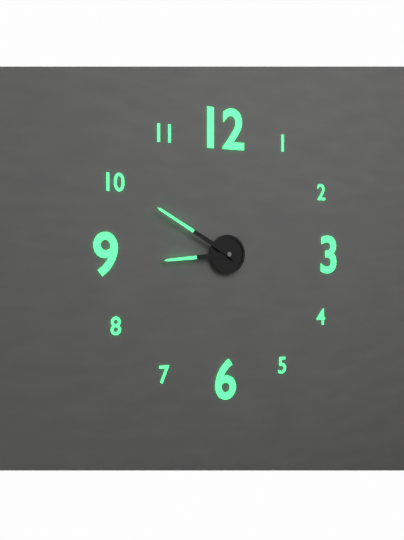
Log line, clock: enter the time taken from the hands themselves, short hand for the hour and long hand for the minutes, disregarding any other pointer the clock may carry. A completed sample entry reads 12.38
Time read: 8.50
